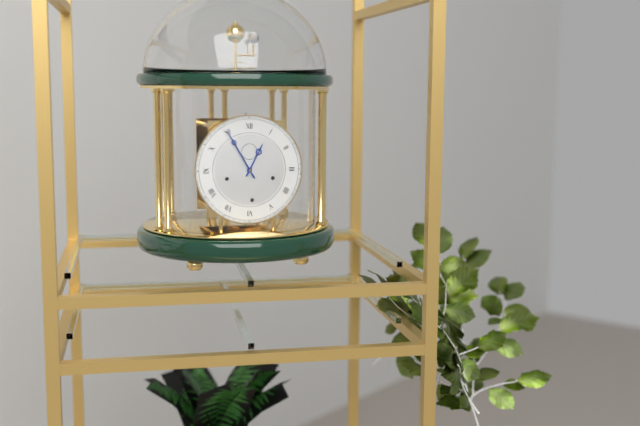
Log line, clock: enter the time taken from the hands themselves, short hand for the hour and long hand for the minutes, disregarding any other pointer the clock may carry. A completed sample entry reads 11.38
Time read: 12.55
